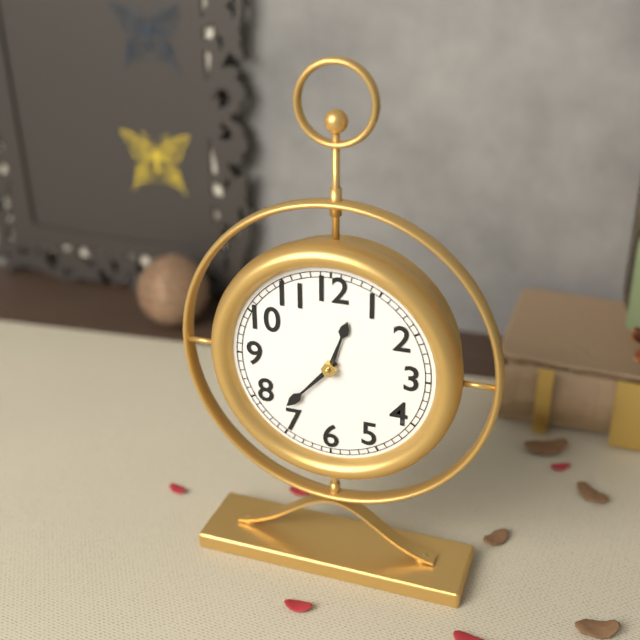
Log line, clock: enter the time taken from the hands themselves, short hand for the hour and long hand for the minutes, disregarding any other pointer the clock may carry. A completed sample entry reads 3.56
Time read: 12.37
